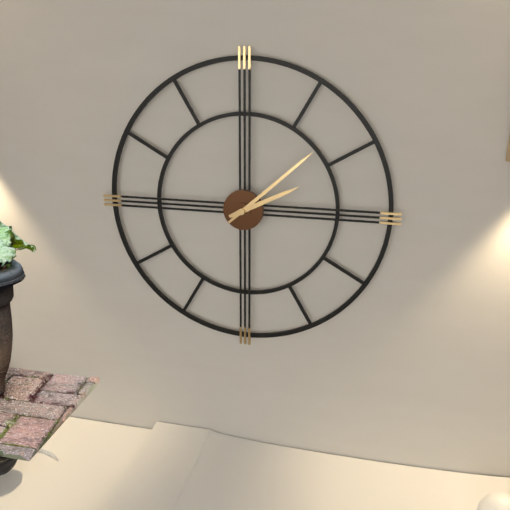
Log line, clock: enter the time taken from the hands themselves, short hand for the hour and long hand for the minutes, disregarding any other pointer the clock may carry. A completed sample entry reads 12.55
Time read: 2.08
